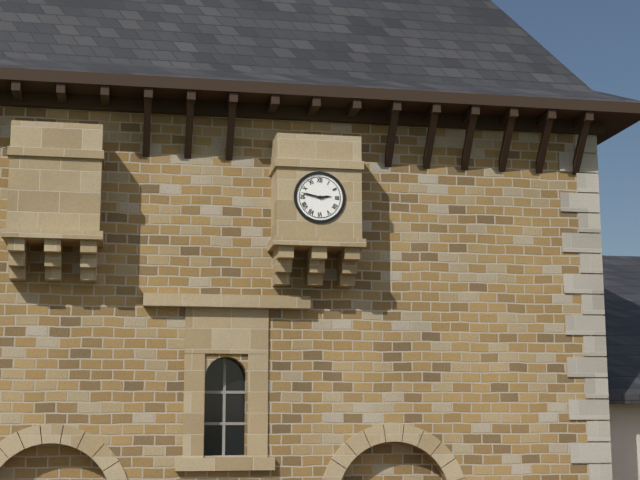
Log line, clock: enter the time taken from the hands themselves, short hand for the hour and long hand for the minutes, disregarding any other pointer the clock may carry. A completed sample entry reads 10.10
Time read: 2.47
